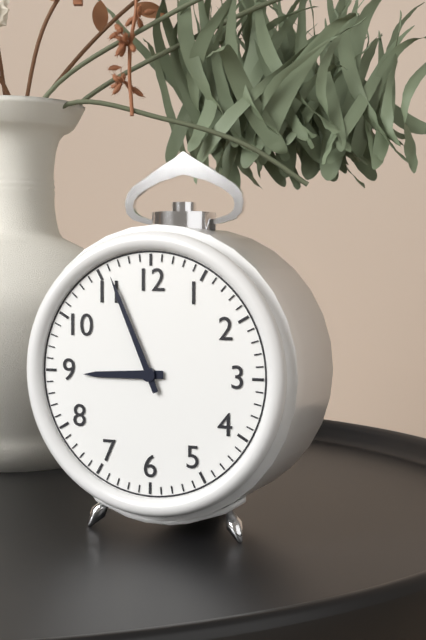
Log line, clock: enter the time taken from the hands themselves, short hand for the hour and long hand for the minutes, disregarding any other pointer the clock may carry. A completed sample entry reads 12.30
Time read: 8.56
